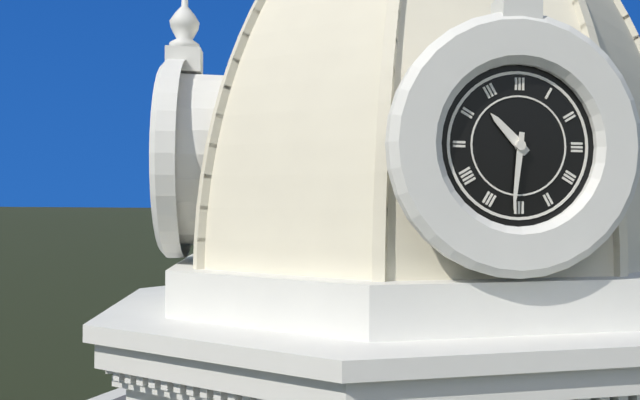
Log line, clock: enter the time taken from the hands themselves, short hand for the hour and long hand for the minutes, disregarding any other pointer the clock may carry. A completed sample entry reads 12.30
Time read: 10.31
